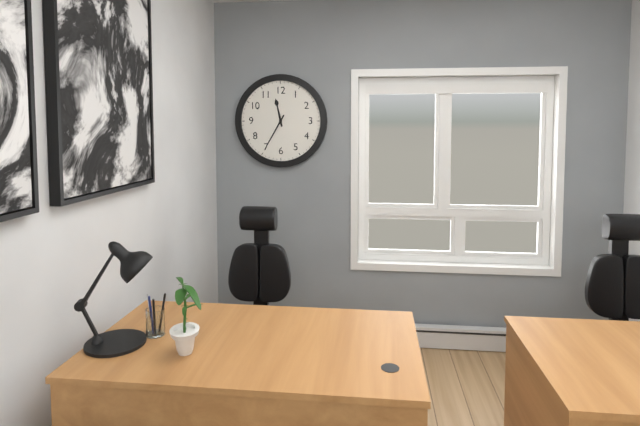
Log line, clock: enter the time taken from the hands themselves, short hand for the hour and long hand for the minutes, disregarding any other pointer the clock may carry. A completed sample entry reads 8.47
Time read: 11.35
